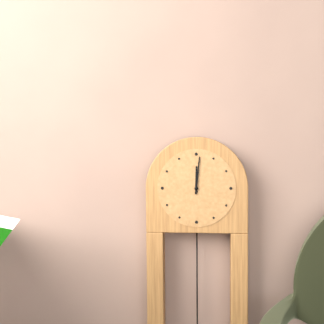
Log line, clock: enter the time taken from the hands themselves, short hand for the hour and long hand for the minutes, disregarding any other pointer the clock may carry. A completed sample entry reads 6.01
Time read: 12.01
